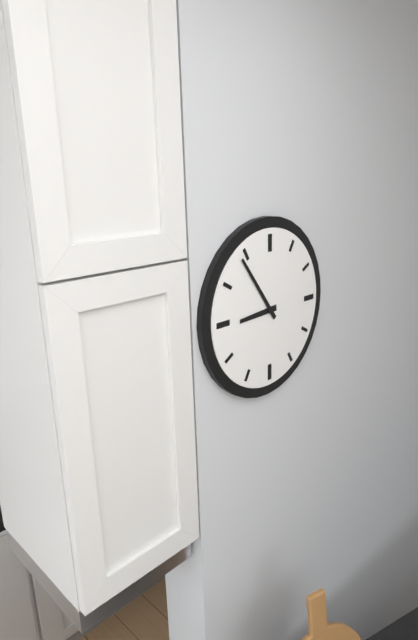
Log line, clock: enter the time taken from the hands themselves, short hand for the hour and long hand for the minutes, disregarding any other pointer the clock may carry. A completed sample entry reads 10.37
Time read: 8.54
